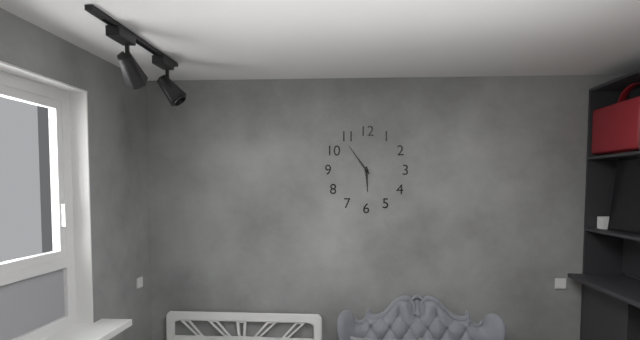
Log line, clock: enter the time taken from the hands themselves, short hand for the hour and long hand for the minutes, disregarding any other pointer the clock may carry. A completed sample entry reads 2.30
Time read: 5.54
